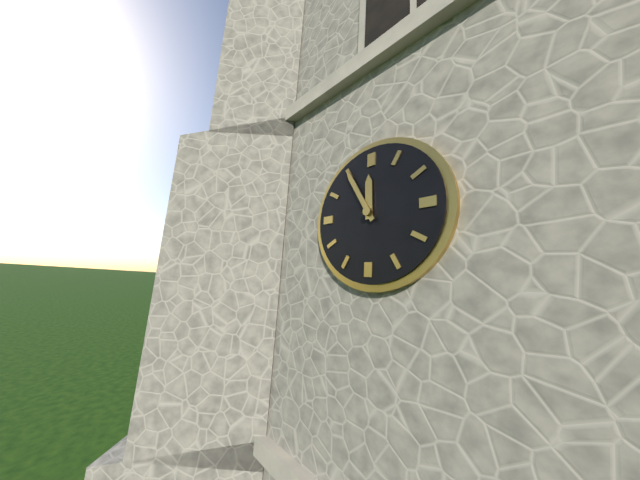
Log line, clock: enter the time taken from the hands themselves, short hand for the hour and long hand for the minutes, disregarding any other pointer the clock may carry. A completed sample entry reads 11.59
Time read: 11.55
